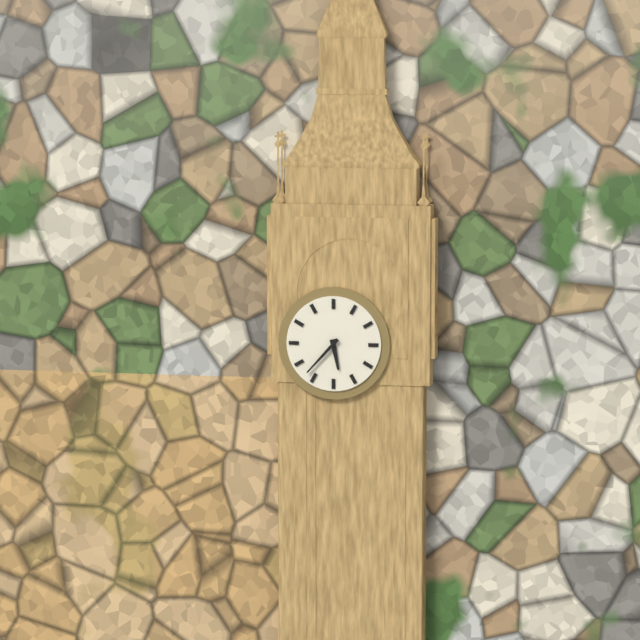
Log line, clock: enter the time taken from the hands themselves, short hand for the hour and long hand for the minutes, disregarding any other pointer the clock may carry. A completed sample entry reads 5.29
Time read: 5.37
